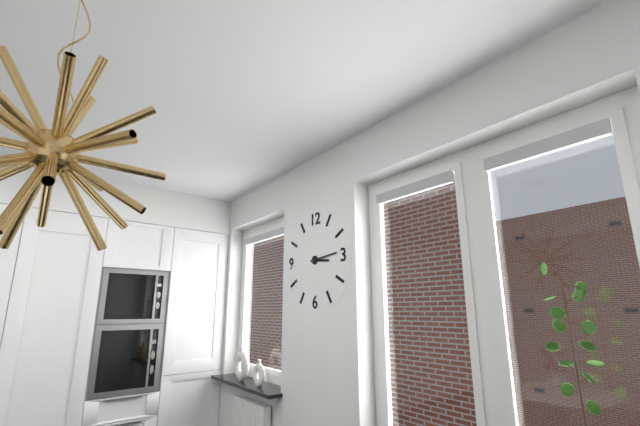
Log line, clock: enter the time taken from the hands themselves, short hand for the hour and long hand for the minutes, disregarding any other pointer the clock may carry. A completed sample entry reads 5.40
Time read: 3.14
